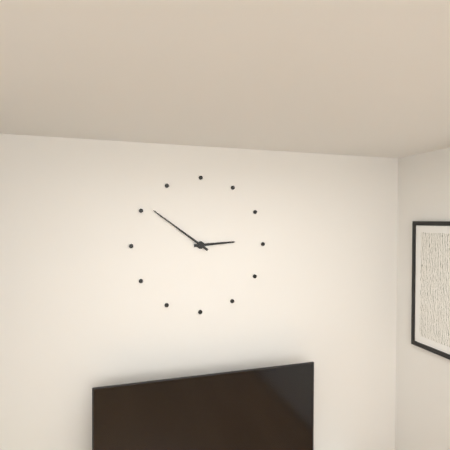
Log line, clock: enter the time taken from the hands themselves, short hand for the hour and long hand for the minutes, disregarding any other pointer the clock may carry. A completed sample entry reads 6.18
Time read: 2.51
